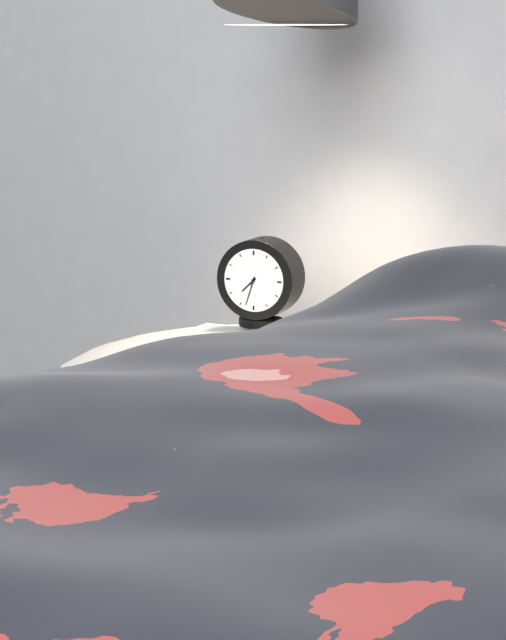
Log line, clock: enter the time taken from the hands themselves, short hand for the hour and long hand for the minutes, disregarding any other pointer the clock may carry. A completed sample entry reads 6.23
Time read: 7.33
